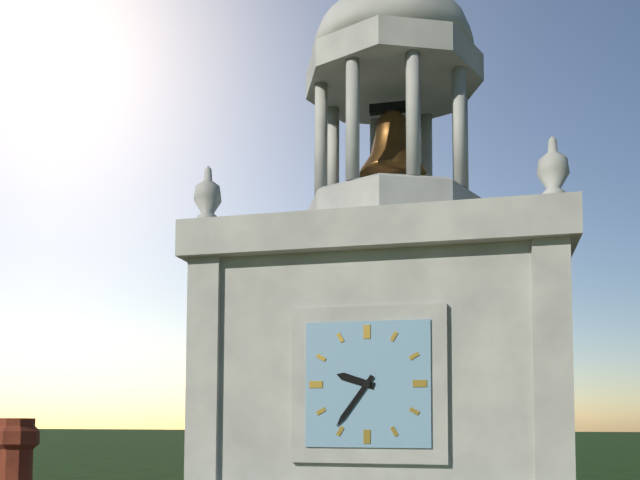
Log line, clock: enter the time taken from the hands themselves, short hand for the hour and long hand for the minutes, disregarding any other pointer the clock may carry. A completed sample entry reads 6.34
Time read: 9.36
